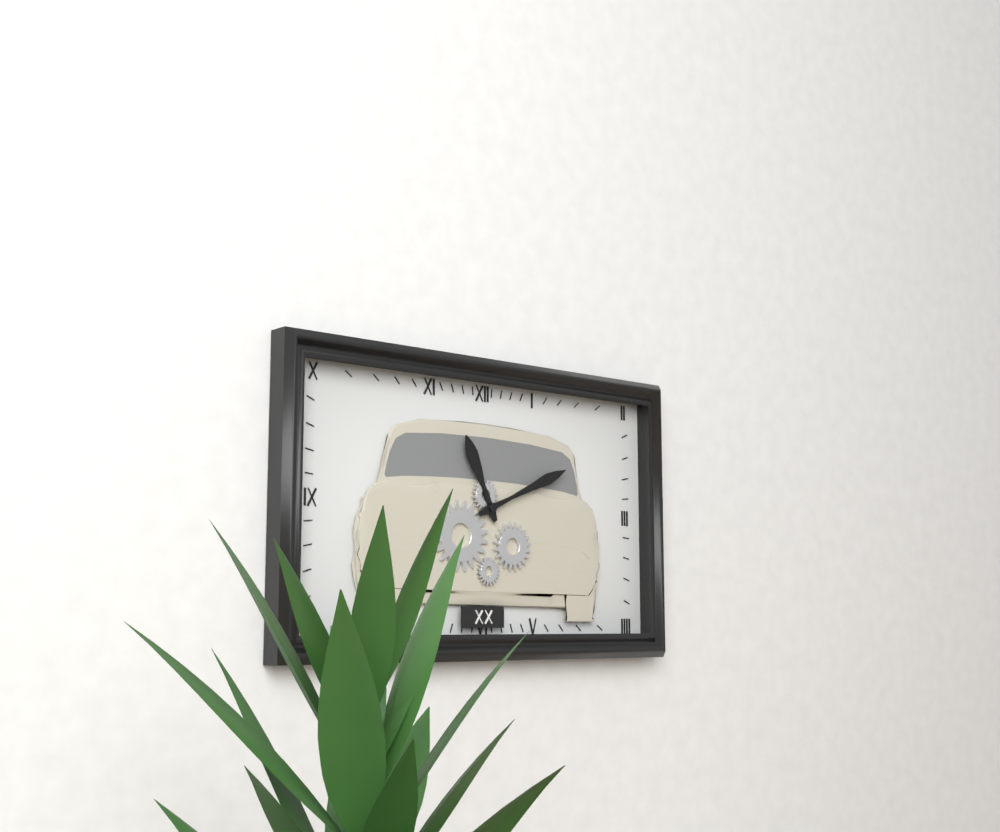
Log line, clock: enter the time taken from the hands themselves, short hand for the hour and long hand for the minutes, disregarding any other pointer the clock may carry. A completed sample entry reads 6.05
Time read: 11.11
